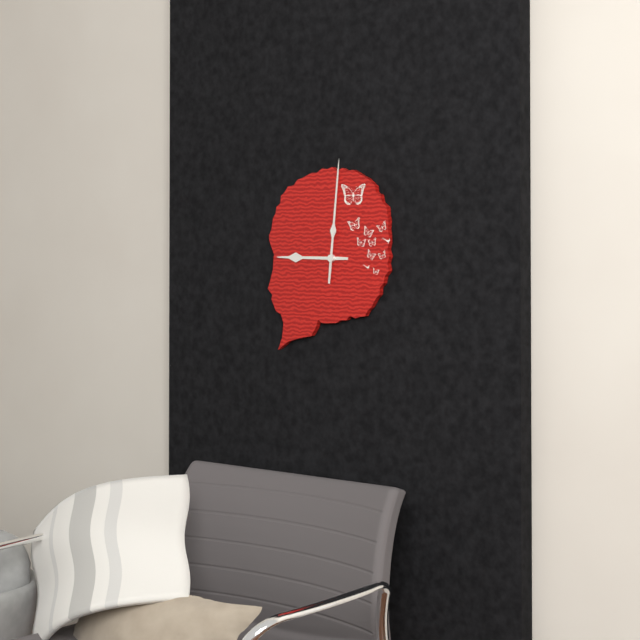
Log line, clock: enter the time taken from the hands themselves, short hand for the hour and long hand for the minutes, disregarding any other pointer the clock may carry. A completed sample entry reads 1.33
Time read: 9.01
